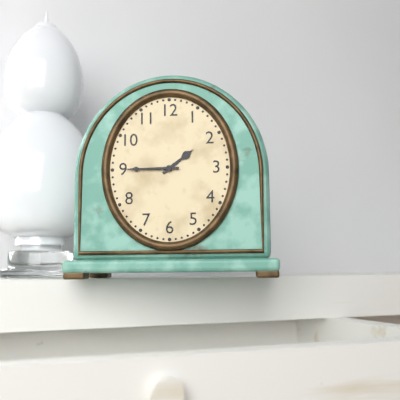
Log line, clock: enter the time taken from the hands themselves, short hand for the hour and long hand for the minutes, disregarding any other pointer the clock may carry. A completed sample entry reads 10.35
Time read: 1.45
